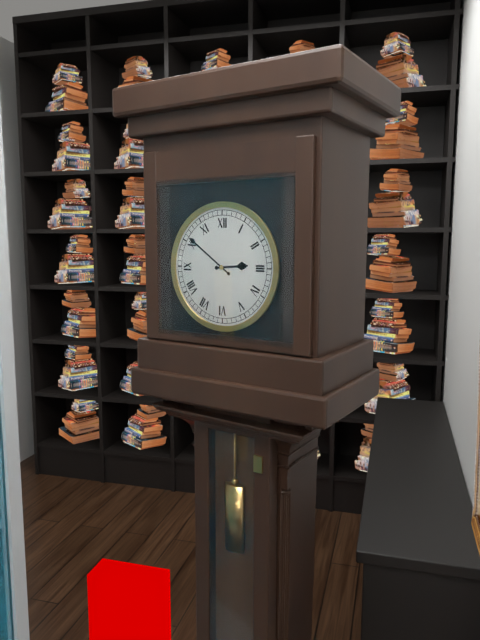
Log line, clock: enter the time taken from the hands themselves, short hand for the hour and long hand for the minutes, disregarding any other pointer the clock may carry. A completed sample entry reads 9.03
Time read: 2.51
